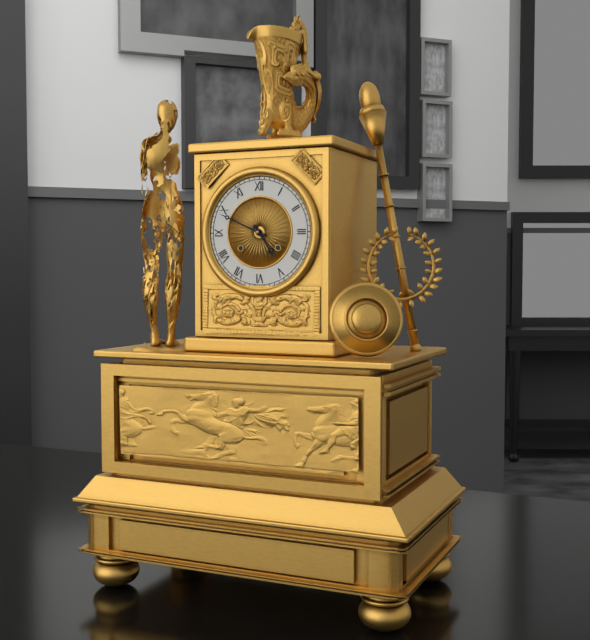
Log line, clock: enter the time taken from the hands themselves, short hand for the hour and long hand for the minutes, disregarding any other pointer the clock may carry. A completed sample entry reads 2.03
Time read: 4.49
